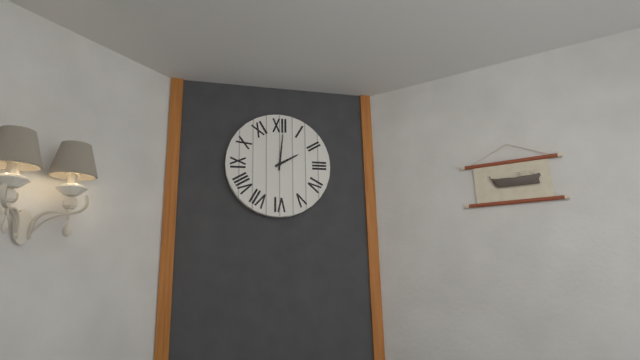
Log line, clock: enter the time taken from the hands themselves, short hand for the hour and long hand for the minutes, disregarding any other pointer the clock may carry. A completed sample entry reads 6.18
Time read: 2.01
